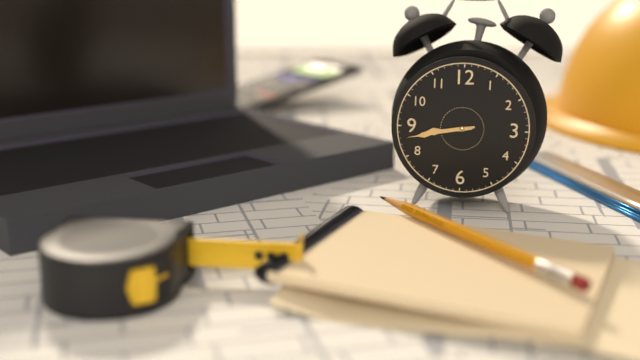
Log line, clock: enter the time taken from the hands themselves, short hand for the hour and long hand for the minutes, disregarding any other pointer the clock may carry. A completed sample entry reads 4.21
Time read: 8.43
